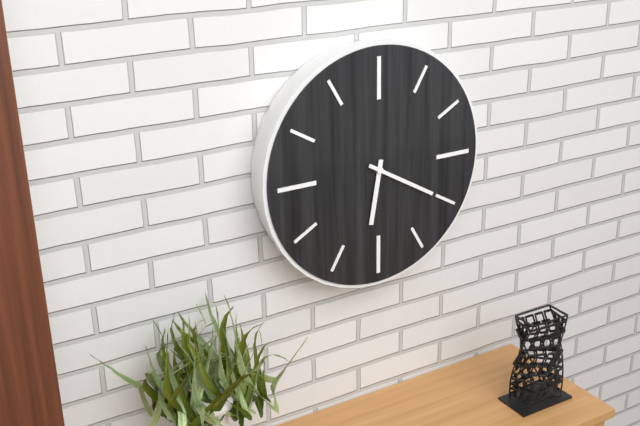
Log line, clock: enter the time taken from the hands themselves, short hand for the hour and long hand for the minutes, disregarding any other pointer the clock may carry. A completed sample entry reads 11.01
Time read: 6.20
